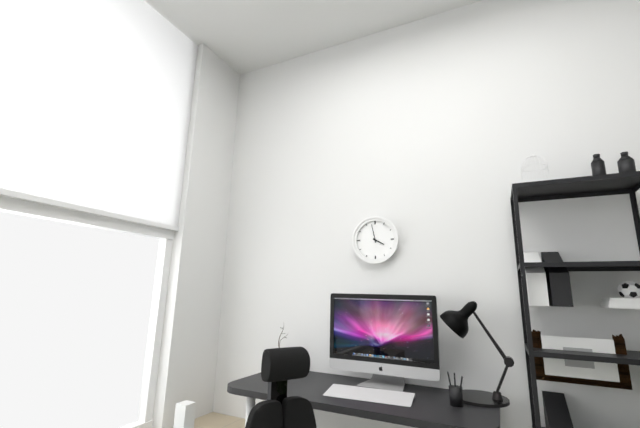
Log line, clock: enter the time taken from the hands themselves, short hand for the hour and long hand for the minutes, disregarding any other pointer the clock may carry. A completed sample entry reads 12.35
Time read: 3.58
